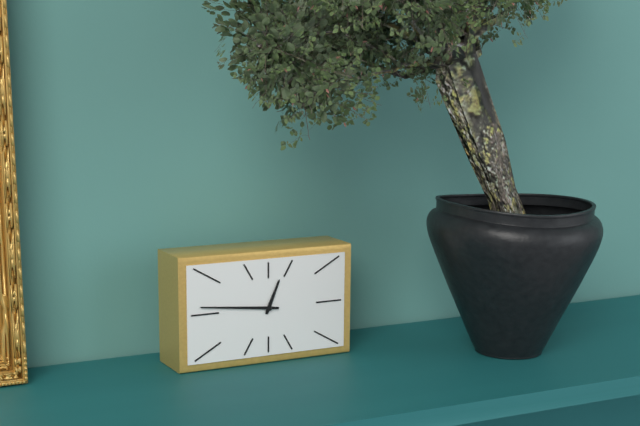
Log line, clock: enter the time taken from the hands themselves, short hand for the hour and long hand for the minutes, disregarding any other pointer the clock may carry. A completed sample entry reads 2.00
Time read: 12.46
